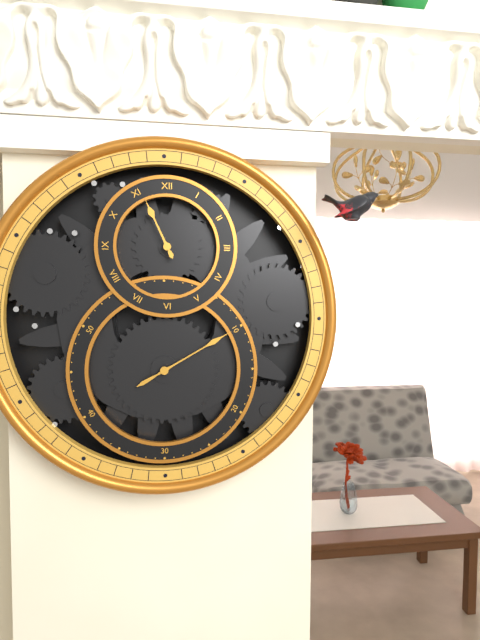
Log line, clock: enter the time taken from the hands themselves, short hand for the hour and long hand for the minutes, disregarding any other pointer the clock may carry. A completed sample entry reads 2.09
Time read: 11.10
